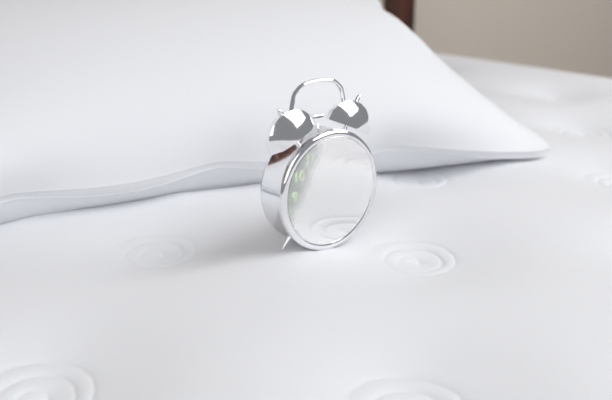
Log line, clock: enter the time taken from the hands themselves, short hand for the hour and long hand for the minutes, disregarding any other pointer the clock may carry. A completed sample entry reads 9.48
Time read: 4.19
